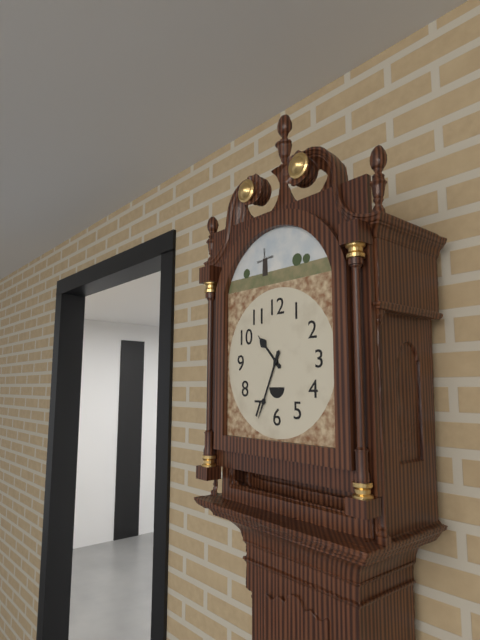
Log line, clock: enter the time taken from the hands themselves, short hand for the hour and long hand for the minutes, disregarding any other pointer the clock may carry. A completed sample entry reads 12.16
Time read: 10.34
